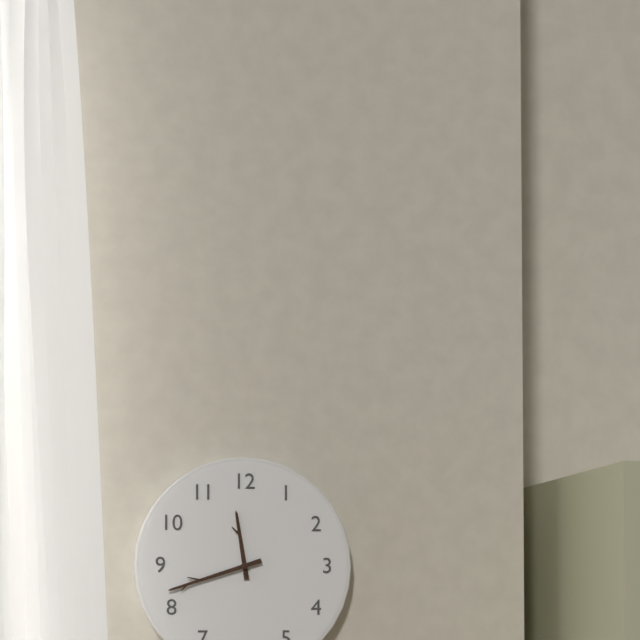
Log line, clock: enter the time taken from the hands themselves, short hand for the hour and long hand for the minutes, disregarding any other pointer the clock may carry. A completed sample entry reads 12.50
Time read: 11.42
